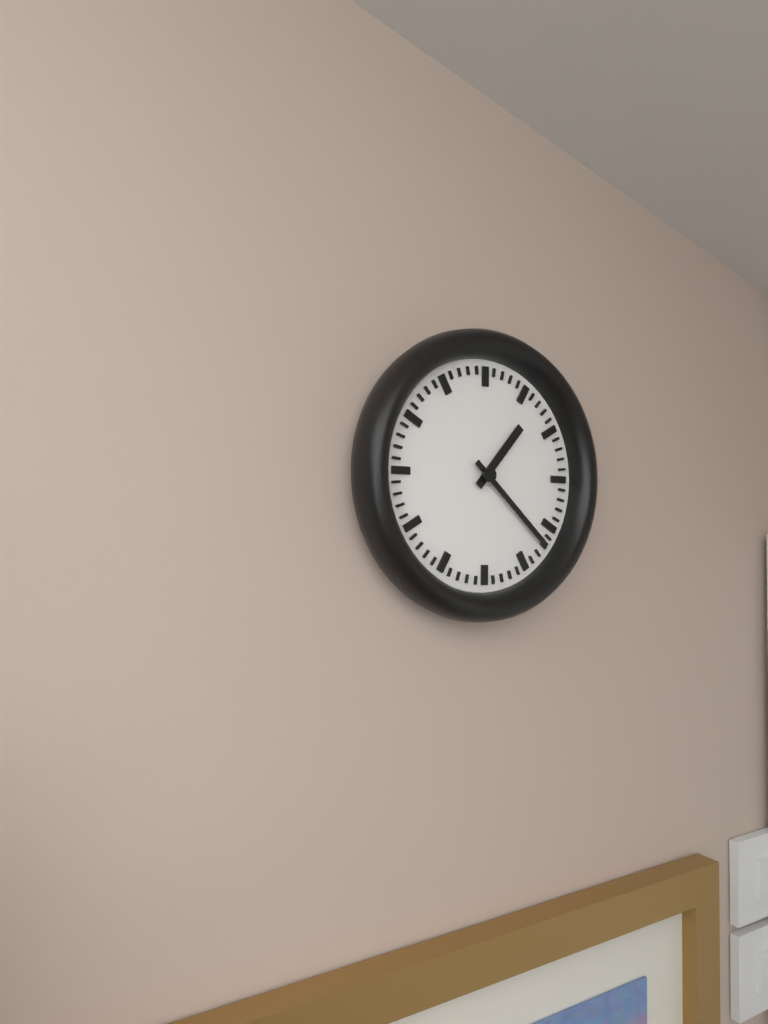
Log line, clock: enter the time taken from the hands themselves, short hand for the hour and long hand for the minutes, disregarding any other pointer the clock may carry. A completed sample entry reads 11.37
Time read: 1.22
